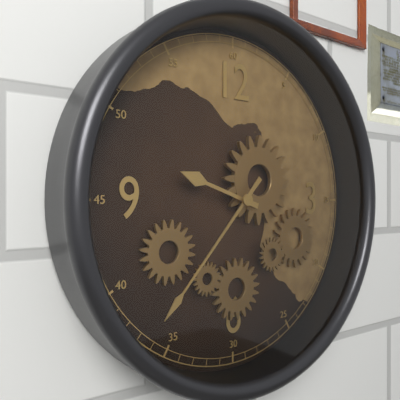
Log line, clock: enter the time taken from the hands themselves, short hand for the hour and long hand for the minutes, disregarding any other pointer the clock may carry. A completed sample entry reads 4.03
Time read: 9.37
